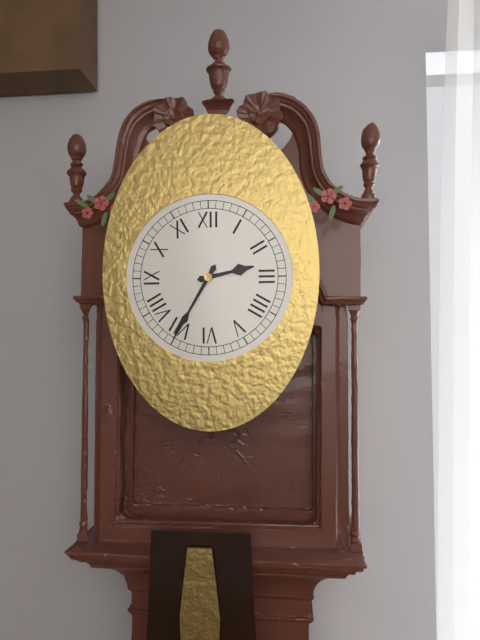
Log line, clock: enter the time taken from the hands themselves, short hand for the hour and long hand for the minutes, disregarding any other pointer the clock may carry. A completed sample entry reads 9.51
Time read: 2.35
